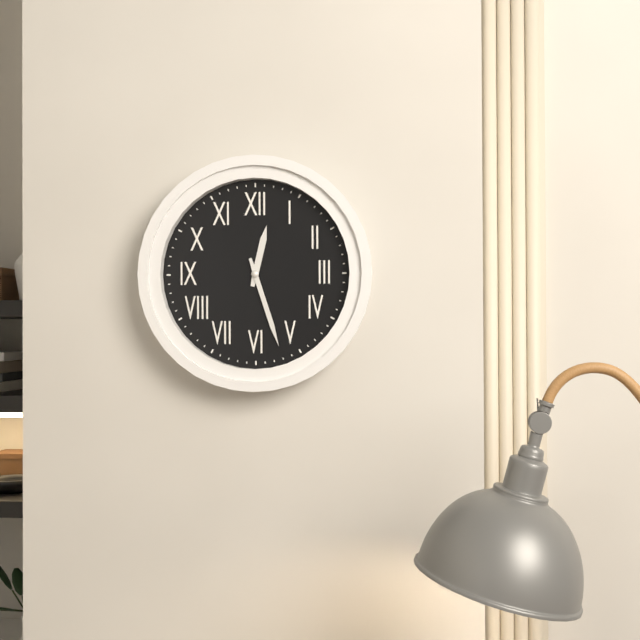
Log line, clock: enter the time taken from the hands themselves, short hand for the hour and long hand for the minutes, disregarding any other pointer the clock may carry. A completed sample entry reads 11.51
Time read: 12.27
